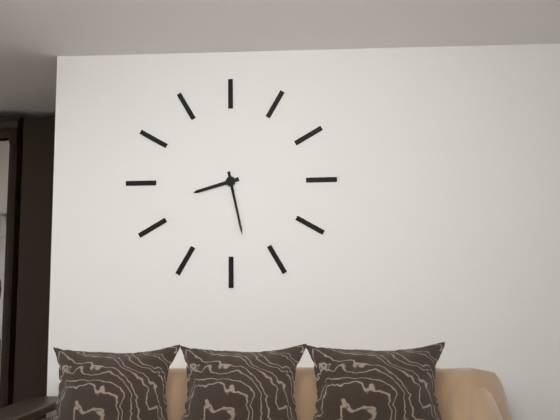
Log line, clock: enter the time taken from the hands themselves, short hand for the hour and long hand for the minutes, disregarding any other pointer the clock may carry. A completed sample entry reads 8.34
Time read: 8.28
